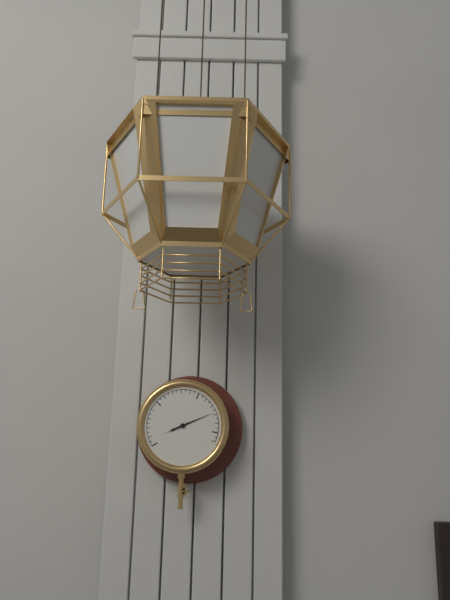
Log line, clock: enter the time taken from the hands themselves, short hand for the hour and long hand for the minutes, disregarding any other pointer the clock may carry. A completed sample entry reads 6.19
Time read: 8.11
